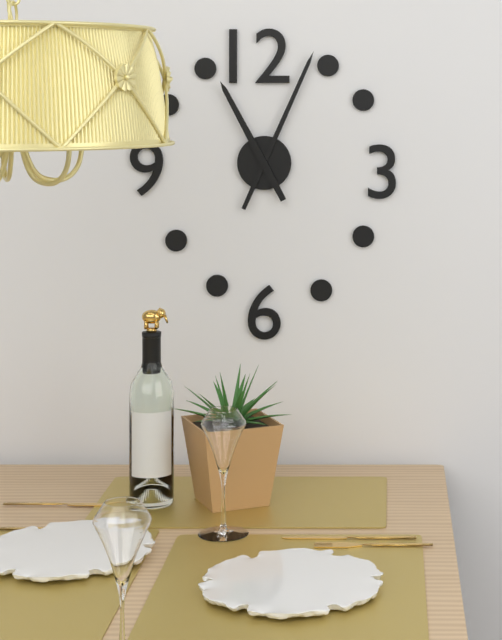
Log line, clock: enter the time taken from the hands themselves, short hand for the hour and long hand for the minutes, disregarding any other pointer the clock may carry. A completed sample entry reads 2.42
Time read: 11.04
